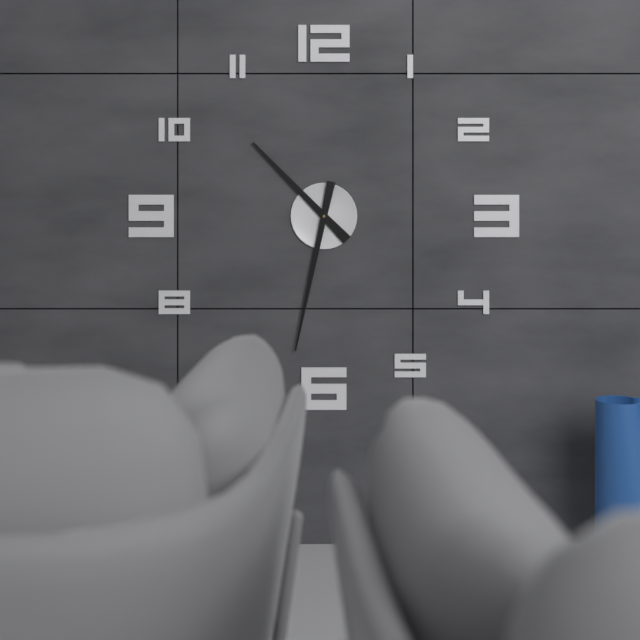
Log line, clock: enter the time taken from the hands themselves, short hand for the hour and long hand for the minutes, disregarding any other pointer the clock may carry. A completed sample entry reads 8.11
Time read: 10.32
